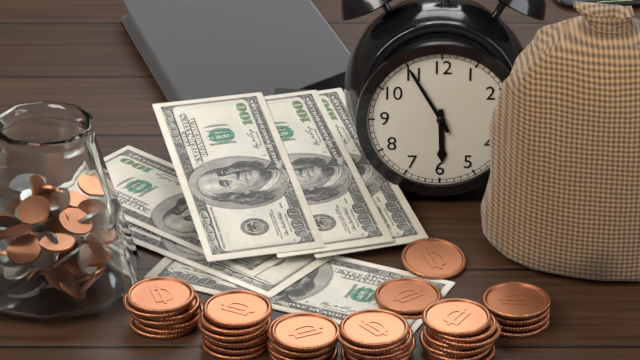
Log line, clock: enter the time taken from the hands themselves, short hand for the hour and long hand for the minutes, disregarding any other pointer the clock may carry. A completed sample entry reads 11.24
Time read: 5.55
